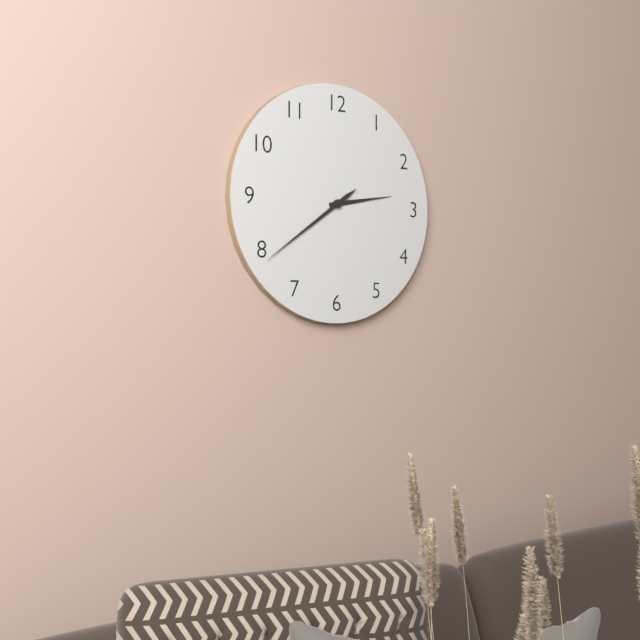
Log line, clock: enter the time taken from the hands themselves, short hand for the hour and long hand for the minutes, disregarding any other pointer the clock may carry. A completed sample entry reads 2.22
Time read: 2.39
